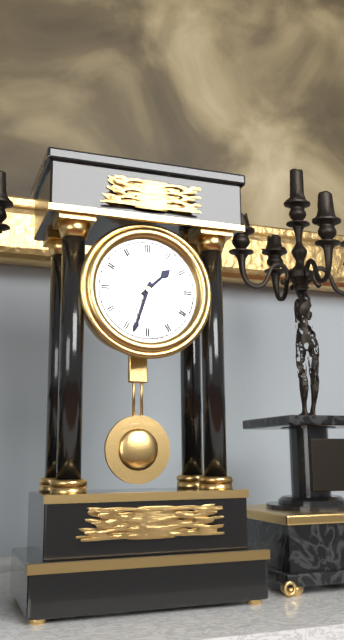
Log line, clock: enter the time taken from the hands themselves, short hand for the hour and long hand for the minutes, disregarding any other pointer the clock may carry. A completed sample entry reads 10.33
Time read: 1.33
